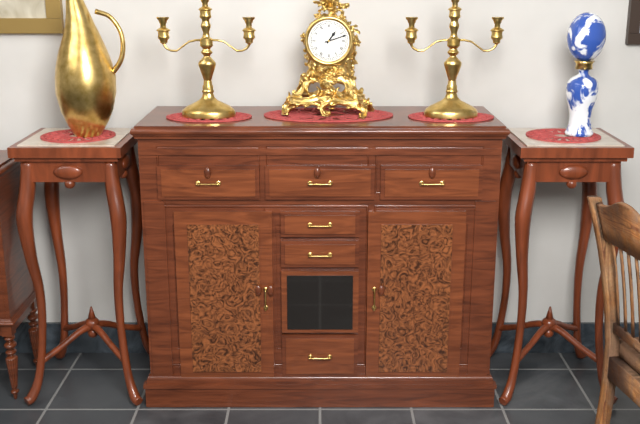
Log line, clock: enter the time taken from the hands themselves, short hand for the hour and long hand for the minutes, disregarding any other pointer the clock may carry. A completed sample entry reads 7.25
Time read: 1.12
